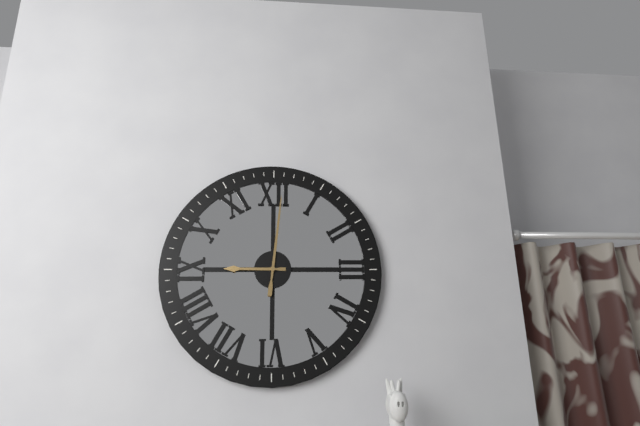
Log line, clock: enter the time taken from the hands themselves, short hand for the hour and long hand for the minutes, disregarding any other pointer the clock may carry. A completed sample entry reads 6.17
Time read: 9.01
